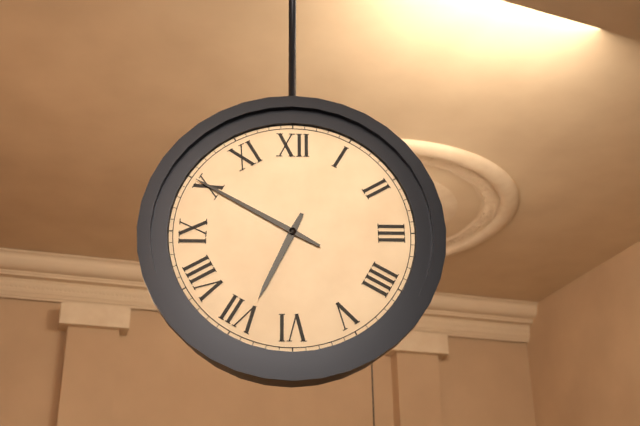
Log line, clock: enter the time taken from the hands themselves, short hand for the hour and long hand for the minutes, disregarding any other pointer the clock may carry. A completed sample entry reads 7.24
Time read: 6.50
